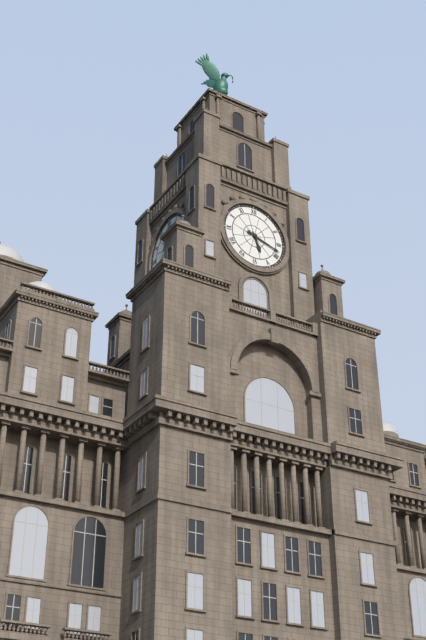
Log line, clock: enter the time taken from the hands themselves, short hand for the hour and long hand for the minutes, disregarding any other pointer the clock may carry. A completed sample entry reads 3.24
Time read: 5.18
